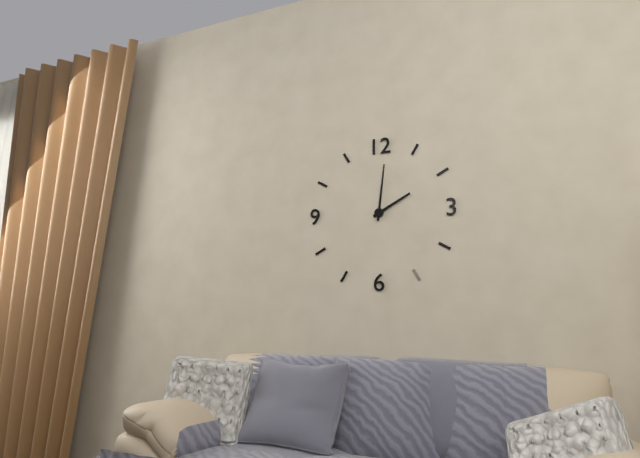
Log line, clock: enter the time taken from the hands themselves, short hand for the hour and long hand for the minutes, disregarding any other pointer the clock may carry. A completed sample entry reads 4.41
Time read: 2.01
